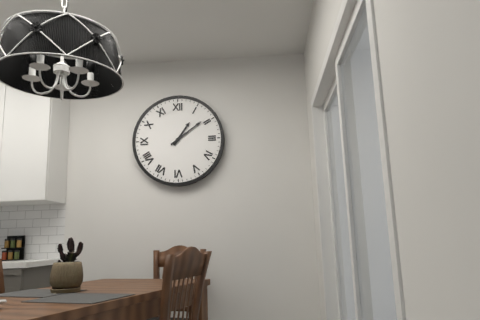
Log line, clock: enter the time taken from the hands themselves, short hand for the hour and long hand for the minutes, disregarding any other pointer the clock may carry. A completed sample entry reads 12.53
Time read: 1.09
